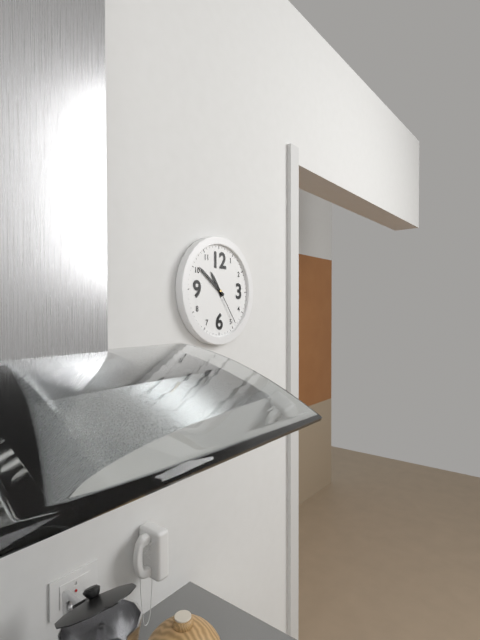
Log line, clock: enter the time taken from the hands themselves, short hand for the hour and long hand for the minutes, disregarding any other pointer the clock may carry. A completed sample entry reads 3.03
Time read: 10.51
